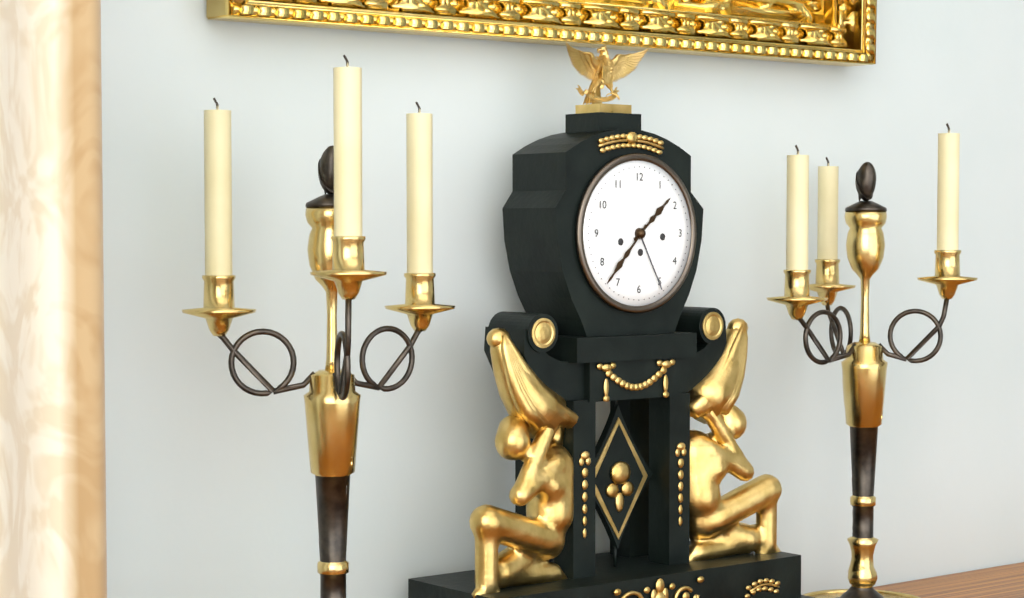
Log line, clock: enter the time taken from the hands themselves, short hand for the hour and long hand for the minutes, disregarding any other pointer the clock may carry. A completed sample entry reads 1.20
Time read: 1.37
